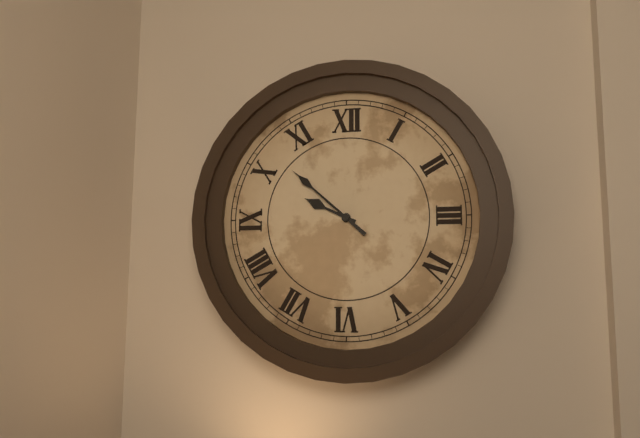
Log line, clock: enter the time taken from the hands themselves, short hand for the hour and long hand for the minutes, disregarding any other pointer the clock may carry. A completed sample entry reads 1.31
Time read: 9.52
